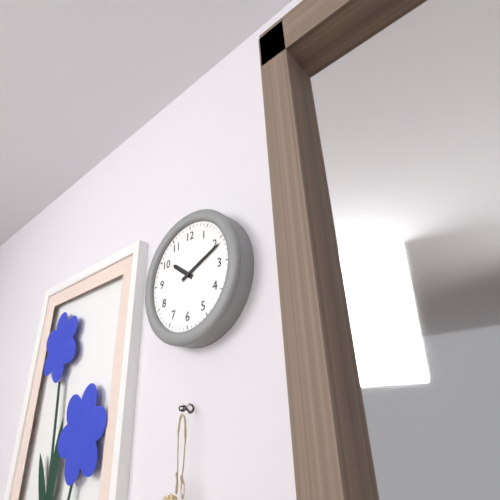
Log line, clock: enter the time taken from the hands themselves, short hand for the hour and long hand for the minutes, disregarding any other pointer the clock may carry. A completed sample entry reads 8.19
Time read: 10.11
